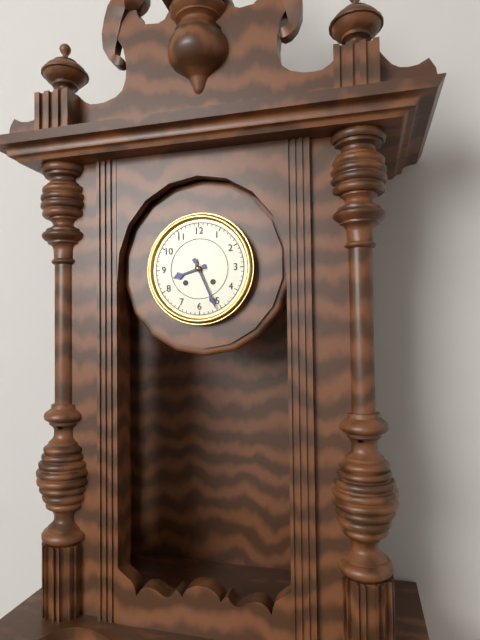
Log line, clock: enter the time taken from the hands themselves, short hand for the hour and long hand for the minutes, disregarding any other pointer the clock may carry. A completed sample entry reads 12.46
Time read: 8.26
